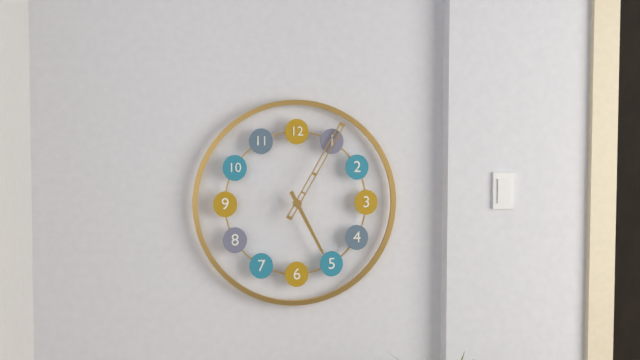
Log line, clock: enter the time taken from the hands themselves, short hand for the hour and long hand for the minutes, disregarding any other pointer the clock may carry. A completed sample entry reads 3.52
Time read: 5.05
